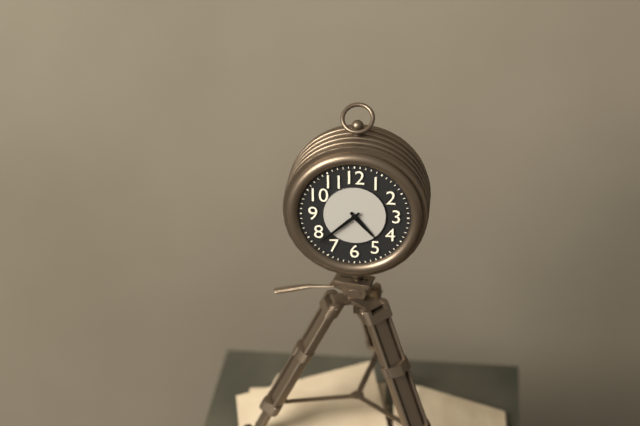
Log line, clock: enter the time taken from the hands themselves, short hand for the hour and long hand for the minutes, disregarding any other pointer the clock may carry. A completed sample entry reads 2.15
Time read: 4.38
